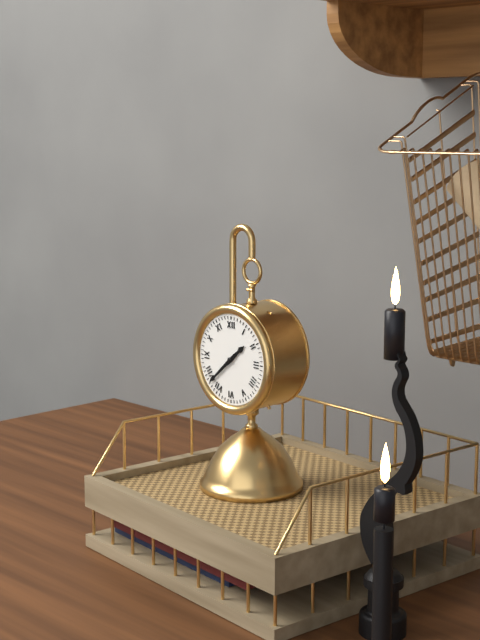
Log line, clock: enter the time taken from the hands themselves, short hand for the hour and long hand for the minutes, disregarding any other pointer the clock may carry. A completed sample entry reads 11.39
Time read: 1.38
